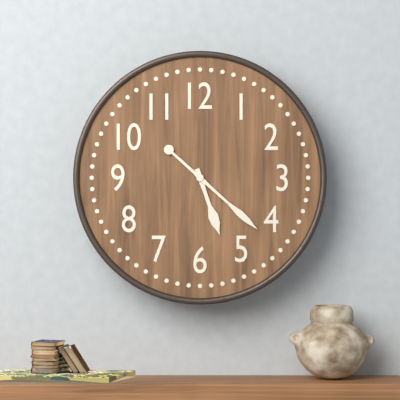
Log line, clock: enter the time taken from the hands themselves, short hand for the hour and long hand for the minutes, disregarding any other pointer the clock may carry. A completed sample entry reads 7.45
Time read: 5.22
